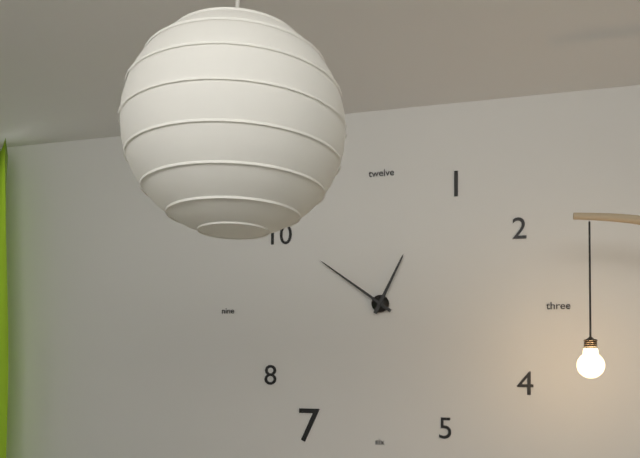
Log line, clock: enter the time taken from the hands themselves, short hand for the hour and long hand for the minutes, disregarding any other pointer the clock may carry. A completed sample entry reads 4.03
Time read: 12.51
